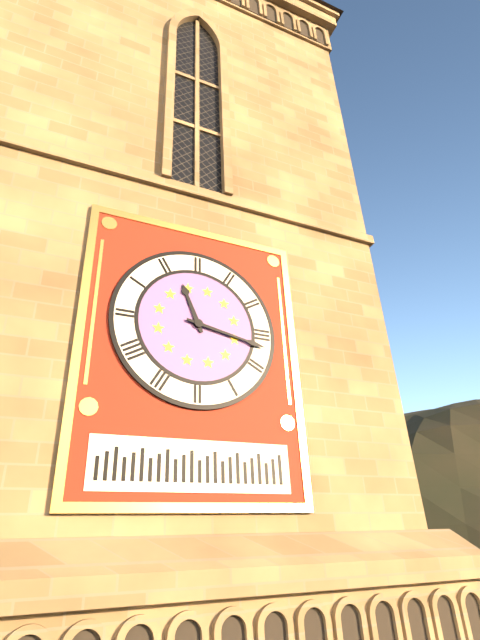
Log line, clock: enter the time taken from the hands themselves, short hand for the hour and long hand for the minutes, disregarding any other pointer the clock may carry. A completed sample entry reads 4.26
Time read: 11.17
